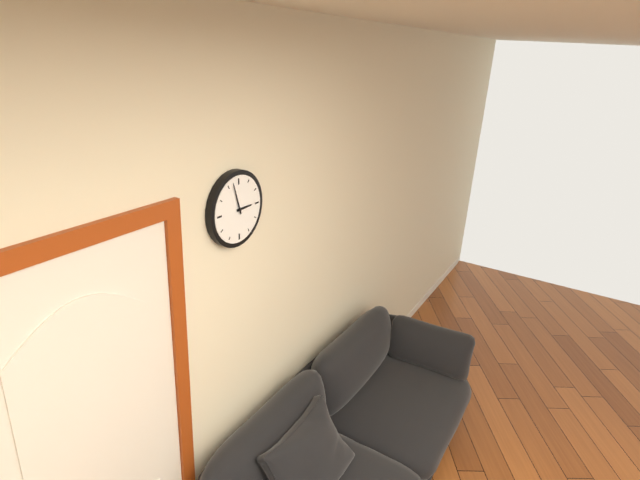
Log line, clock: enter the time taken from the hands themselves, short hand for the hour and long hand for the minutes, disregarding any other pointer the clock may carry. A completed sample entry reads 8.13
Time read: 2.57
